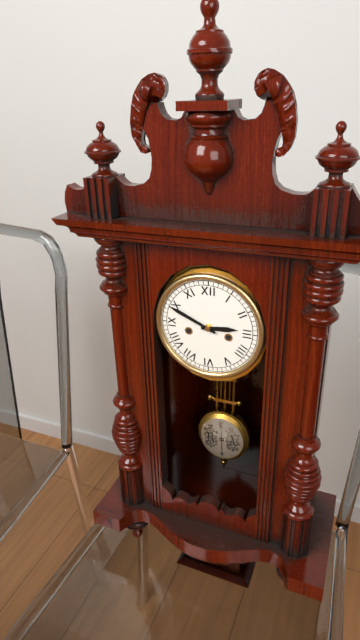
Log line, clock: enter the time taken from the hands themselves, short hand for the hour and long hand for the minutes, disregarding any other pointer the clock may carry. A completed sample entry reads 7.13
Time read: 2.49
